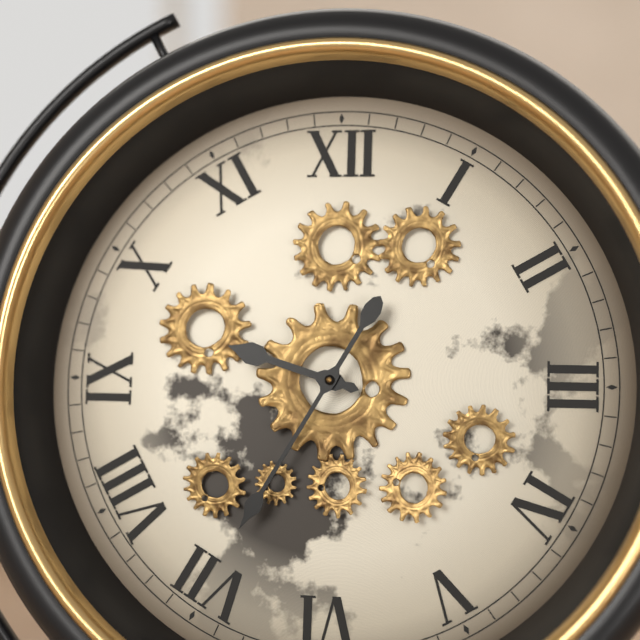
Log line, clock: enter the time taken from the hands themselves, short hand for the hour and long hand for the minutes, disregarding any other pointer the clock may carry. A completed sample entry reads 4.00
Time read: 9.35
